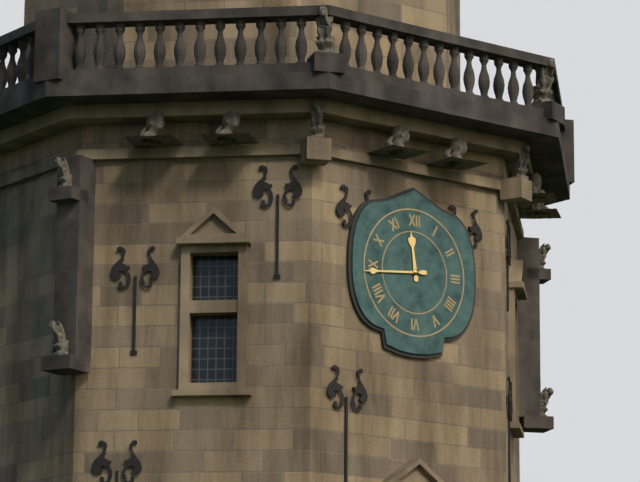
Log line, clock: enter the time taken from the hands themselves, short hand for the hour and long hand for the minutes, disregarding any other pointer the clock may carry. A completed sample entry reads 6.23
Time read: 11.44
